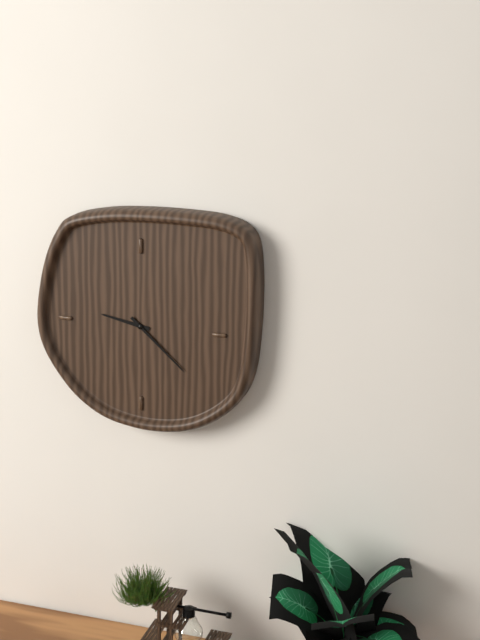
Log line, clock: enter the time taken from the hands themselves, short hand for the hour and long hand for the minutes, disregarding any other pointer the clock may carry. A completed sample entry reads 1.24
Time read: 9.22
